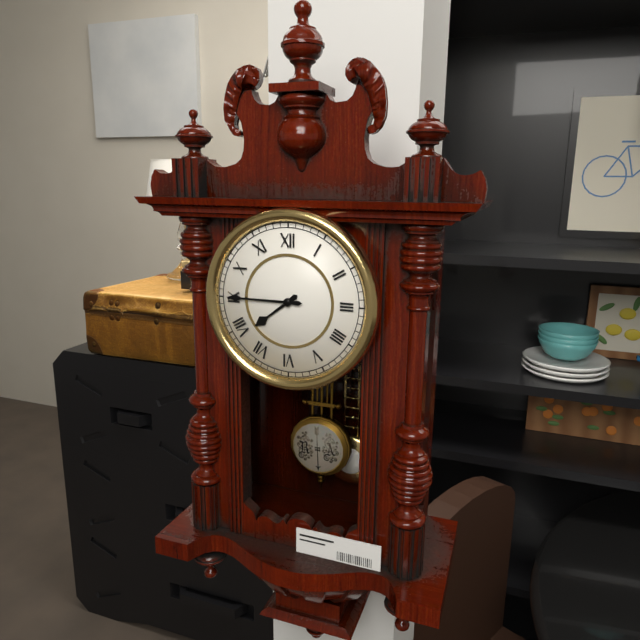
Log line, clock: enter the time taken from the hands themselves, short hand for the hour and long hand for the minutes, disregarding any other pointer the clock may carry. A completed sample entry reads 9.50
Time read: 7.45
